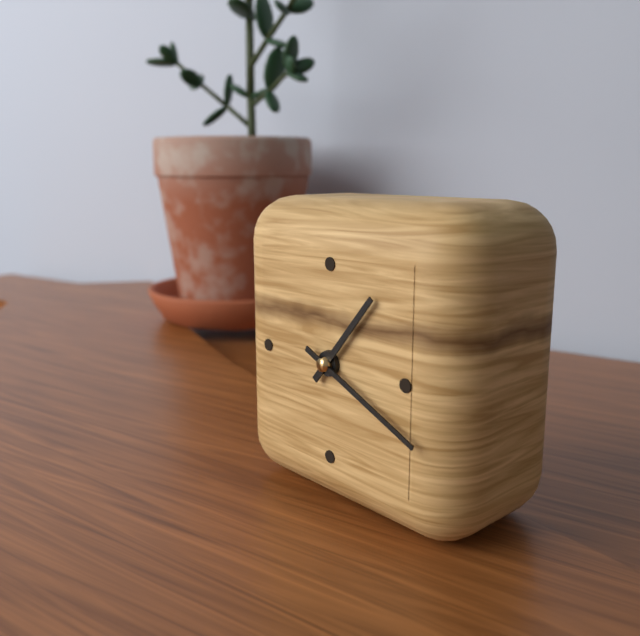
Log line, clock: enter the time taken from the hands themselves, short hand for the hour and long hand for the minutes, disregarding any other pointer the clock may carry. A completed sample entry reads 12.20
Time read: 1.19
